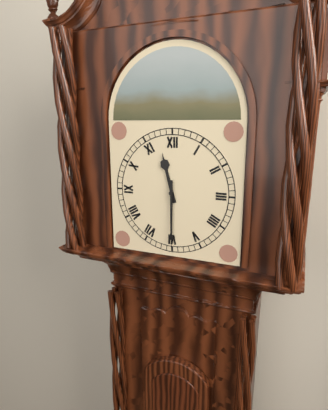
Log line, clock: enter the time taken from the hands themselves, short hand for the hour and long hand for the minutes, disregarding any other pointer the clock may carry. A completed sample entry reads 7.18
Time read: 11.30
